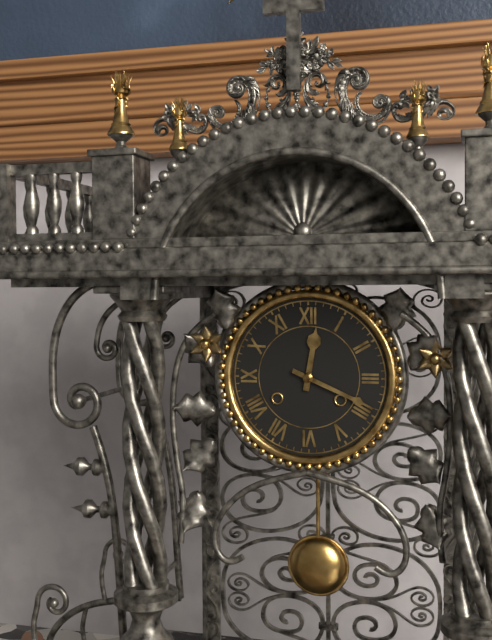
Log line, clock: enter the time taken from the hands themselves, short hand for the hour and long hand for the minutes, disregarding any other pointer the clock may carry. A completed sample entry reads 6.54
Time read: 12.19
